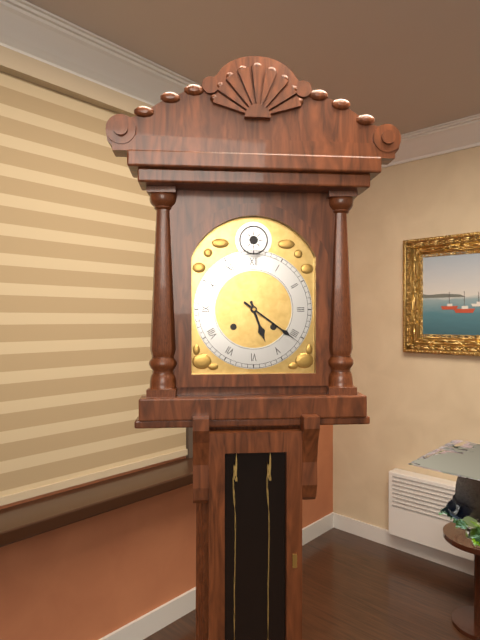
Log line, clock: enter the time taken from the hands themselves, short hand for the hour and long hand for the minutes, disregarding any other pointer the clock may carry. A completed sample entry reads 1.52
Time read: 5.21
